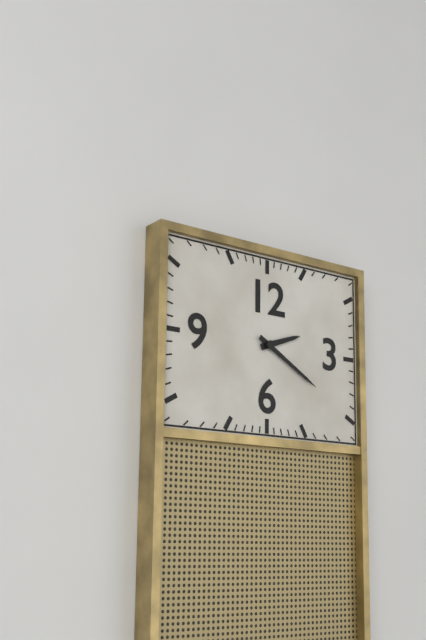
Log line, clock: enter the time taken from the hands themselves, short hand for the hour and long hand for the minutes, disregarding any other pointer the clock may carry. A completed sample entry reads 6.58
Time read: 2.20
